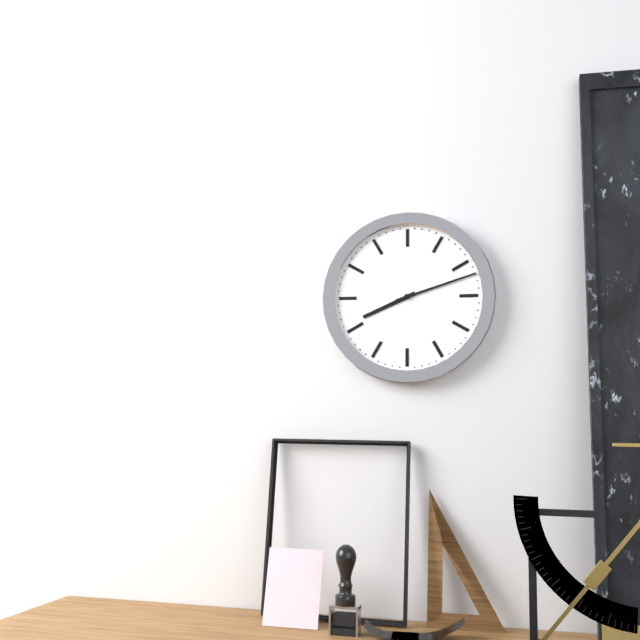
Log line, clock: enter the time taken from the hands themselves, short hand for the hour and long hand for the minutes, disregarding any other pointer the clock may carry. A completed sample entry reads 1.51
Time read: 8.12
